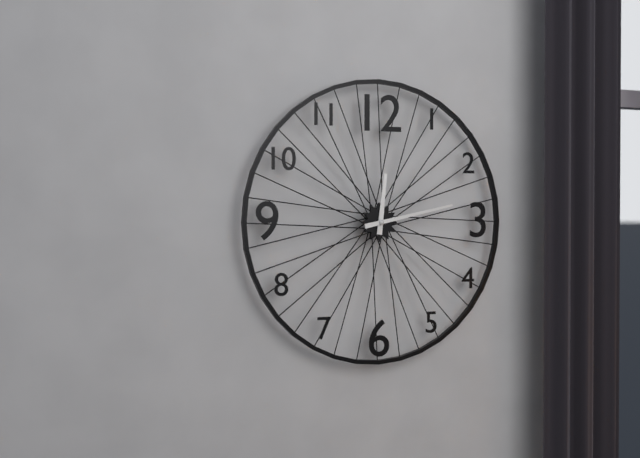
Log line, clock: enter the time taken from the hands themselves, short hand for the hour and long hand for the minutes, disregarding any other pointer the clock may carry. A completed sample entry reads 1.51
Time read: 12.13
